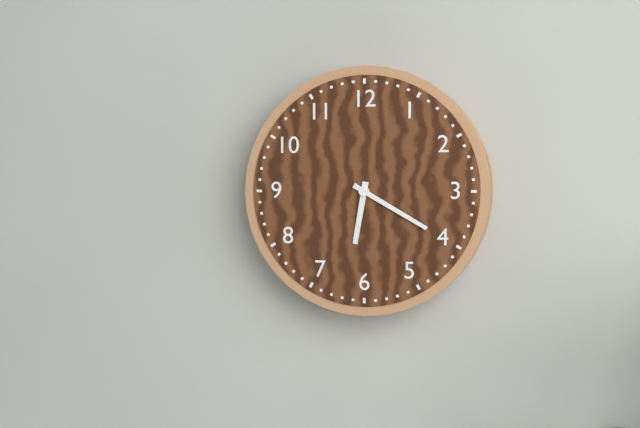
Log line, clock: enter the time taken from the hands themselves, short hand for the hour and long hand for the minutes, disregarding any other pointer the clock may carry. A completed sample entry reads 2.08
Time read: 6.20
